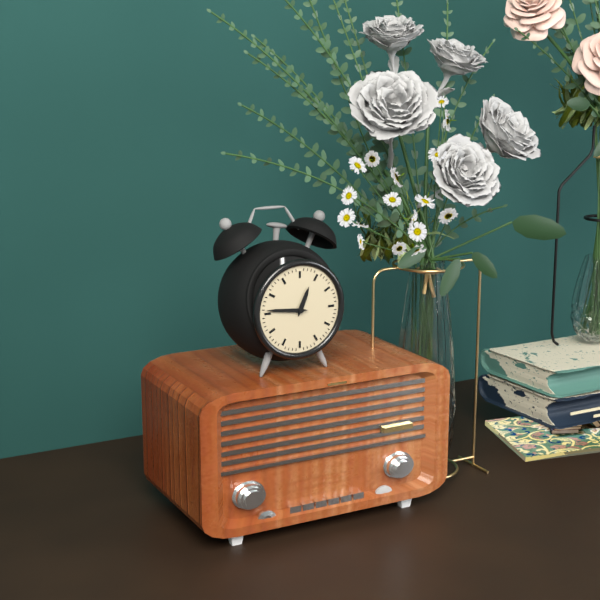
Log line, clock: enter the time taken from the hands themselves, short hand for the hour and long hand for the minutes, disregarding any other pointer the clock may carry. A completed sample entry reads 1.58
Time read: 12.46
